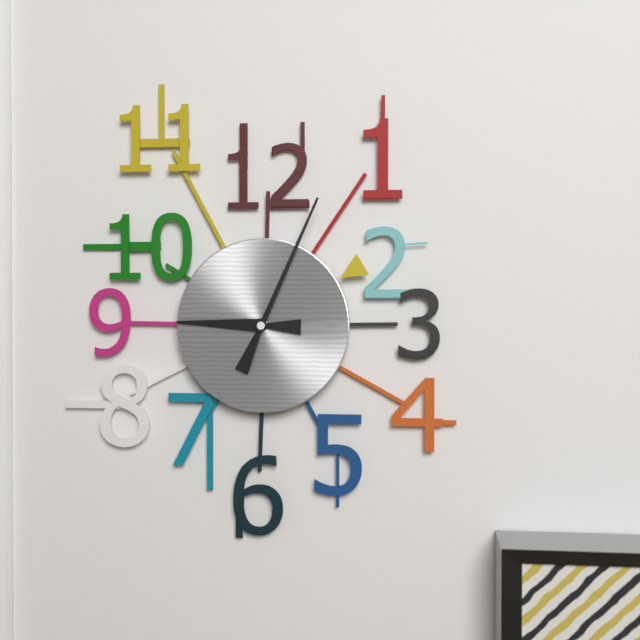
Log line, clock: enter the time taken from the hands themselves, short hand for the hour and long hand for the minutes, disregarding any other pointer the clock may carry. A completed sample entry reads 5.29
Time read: 9.04
